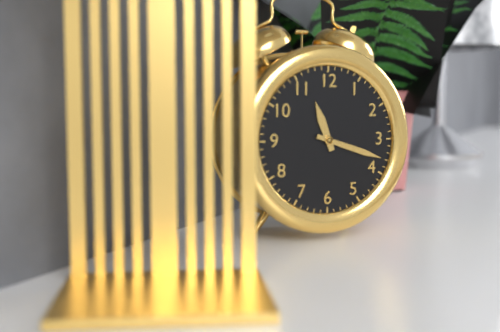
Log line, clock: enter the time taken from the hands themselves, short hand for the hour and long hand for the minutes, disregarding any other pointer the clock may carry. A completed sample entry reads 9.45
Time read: 11.18
